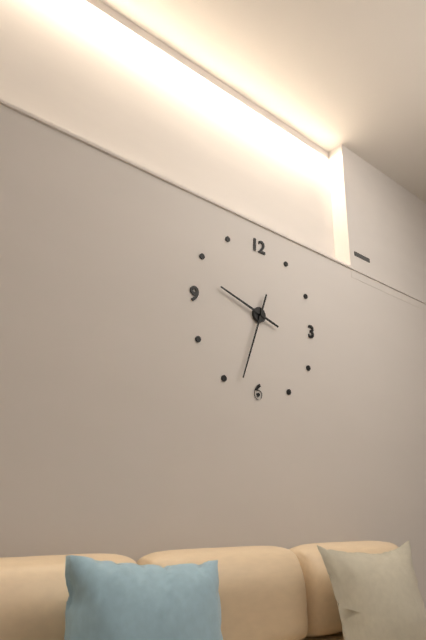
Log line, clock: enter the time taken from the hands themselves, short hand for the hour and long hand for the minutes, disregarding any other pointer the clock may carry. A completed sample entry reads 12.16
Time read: 9.33
